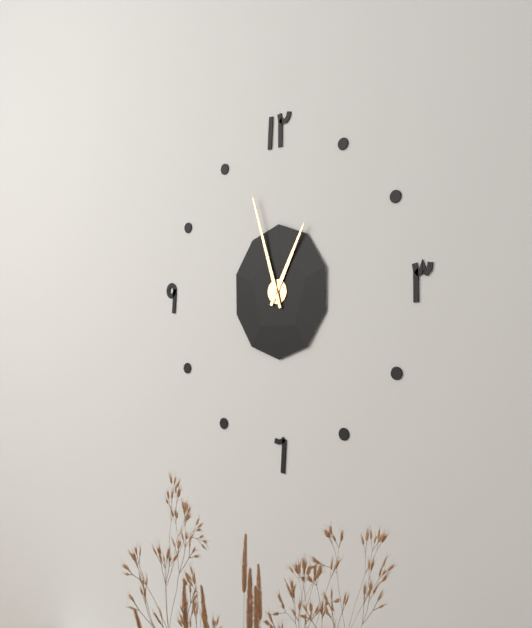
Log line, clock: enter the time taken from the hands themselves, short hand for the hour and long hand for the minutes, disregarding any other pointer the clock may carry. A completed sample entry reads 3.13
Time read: 12.57
